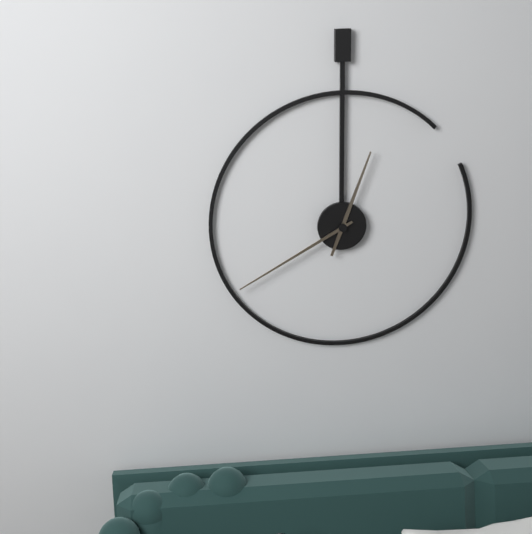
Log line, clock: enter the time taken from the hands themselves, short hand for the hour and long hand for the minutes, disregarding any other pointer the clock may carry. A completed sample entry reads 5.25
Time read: 12.40
